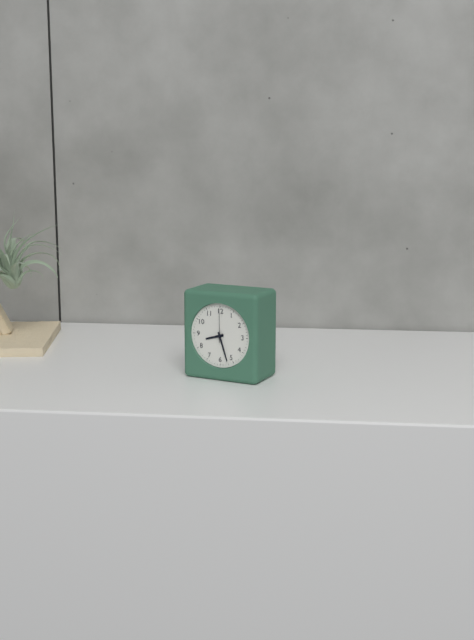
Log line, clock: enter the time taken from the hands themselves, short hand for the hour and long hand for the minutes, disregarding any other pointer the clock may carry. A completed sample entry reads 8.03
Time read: 8.27
